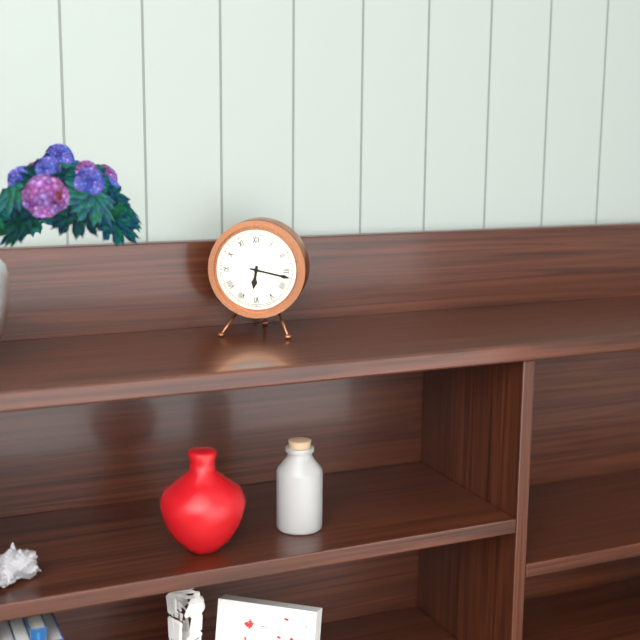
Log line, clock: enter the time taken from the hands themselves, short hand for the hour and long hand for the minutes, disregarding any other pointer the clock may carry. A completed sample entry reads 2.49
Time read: 6.17
